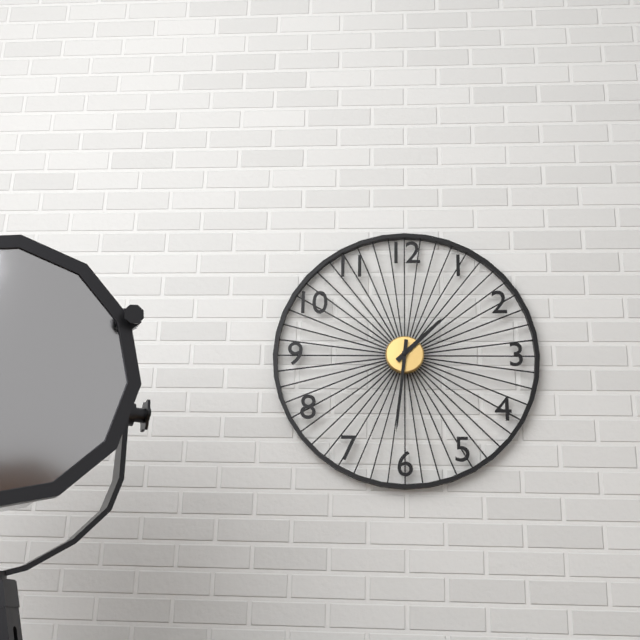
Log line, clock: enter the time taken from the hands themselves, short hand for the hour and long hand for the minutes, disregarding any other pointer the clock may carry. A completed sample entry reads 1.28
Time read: 1.31
